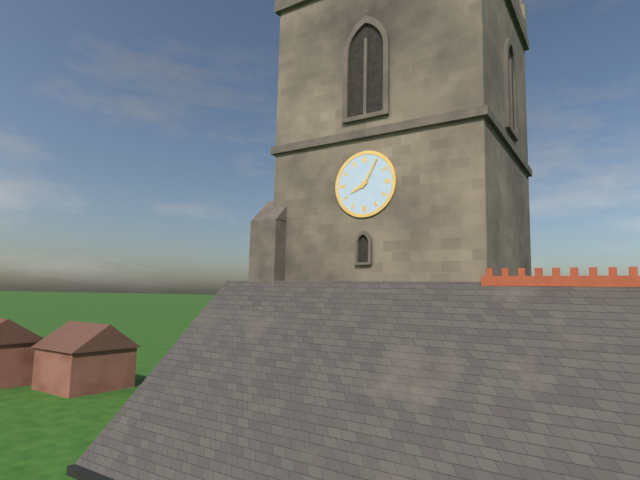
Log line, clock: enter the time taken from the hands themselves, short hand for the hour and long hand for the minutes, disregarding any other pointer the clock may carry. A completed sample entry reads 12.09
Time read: 8.05
